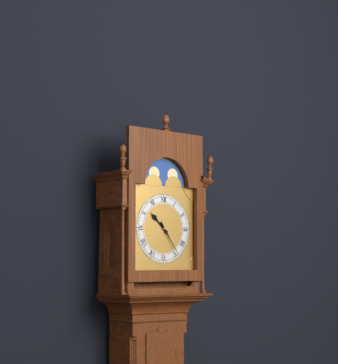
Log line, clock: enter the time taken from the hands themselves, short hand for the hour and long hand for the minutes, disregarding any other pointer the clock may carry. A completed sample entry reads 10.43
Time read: 10.24
